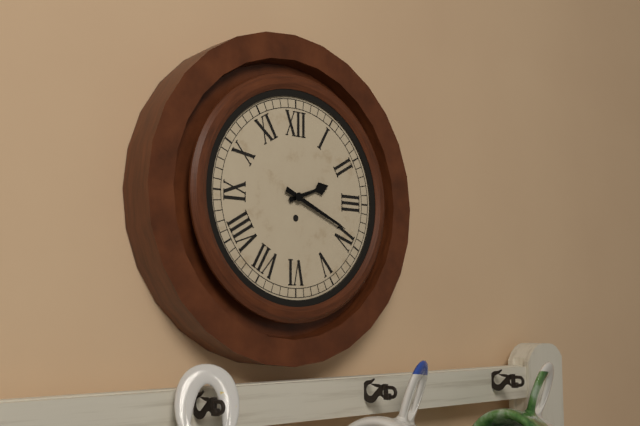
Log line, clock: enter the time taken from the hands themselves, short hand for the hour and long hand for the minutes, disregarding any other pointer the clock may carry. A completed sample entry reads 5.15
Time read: 2.19
